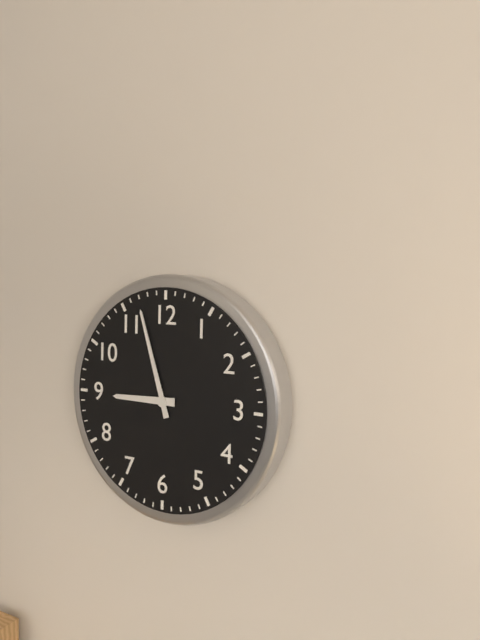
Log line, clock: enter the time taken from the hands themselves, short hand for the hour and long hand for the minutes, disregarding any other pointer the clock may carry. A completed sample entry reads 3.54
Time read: 8.57
